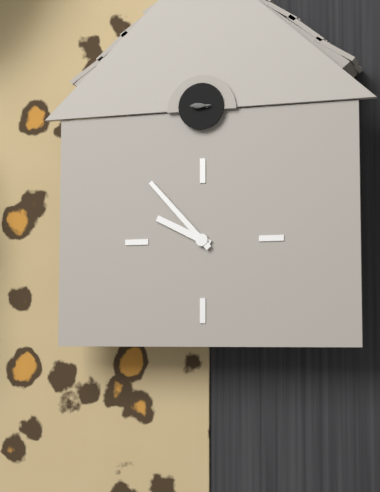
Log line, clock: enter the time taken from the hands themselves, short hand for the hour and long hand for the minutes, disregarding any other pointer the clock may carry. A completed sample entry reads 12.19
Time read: 9.53
